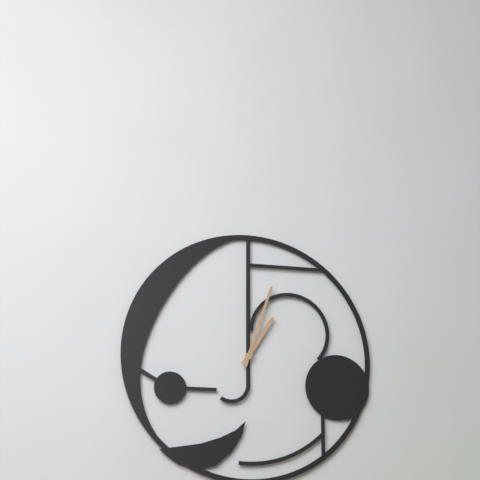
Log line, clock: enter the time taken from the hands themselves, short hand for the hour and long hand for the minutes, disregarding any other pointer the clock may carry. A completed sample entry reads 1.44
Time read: 1.03
